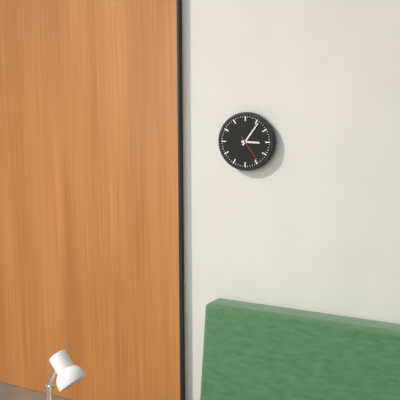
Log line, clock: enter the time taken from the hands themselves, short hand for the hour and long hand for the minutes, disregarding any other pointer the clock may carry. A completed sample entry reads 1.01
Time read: 3.06
